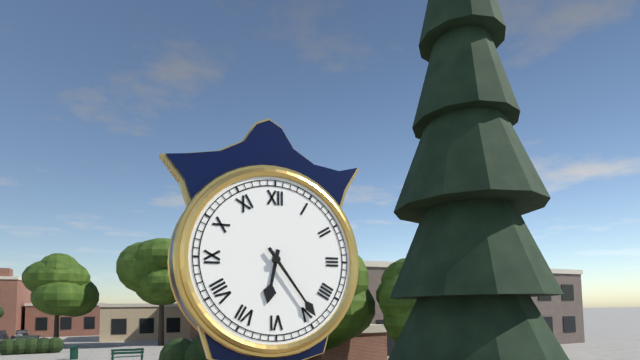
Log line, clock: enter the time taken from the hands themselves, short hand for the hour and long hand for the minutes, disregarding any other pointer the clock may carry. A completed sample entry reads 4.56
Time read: 6.24
